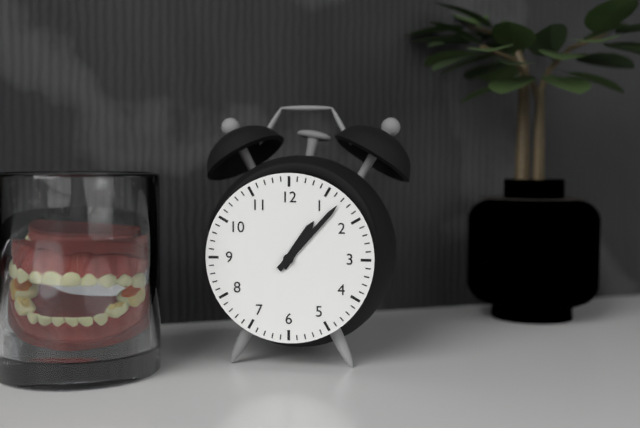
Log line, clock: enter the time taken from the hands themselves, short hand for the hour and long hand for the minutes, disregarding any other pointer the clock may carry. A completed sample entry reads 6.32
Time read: 1.07
